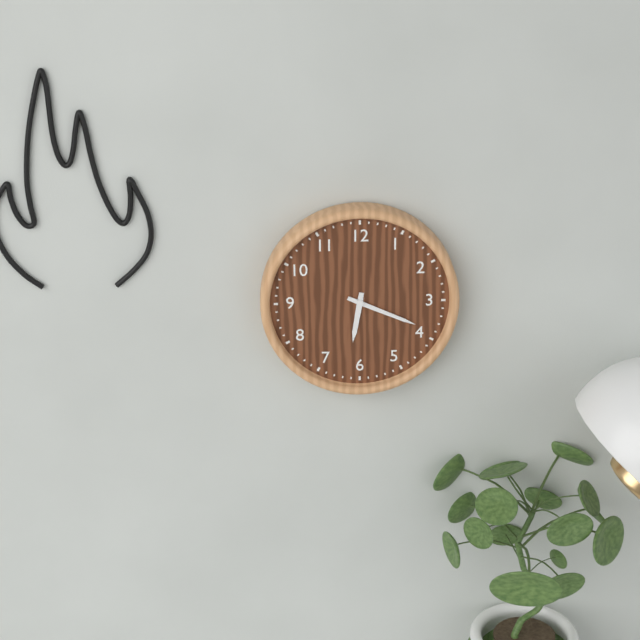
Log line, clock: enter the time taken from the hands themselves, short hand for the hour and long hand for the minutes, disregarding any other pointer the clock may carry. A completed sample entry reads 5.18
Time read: 6.19
